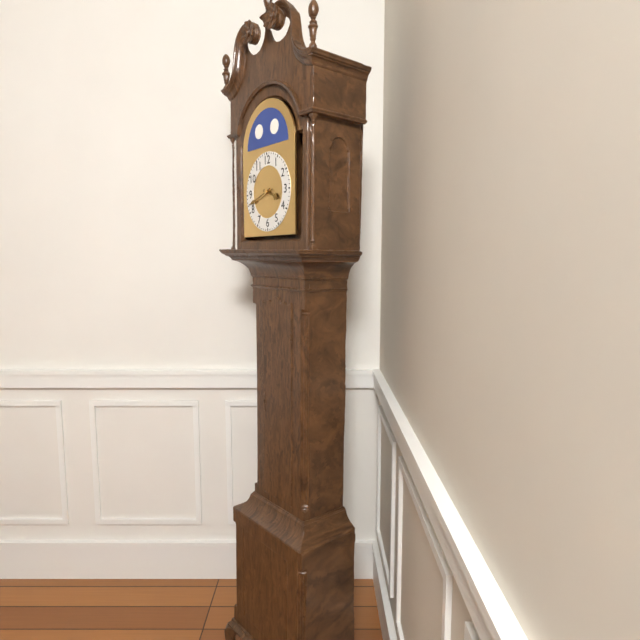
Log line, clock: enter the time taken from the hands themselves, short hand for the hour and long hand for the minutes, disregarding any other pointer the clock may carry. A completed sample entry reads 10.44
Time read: 3.42
